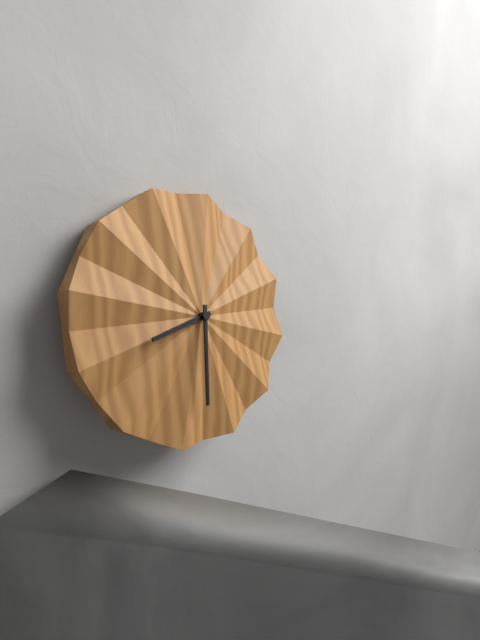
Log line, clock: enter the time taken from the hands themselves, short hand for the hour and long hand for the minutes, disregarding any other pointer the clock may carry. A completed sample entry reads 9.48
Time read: 8.31
